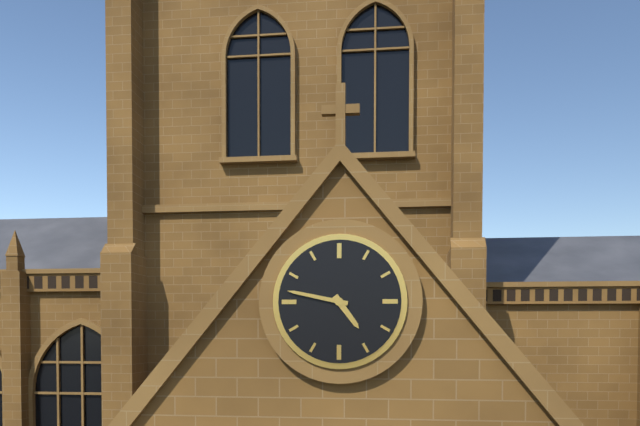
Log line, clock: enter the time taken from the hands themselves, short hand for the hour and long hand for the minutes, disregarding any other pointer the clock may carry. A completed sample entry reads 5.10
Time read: 4.47
